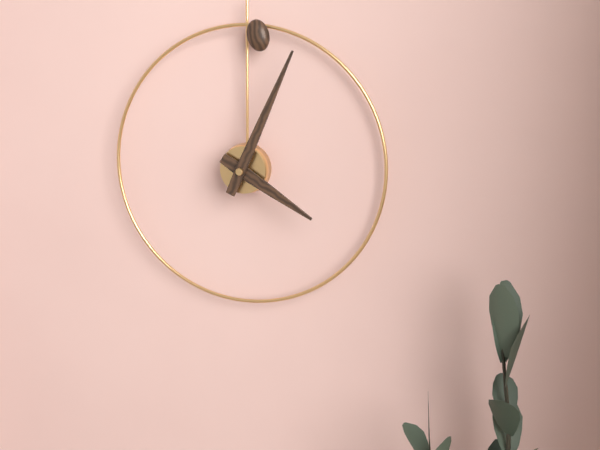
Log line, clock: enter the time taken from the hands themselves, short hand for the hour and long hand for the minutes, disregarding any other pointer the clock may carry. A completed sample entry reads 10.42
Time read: 4.04
